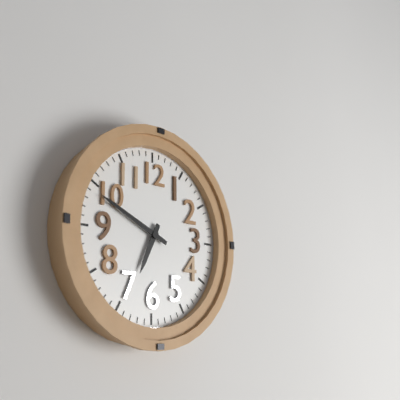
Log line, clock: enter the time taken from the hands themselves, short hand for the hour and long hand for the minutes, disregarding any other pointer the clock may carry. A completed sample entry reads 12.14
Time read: 6.49
